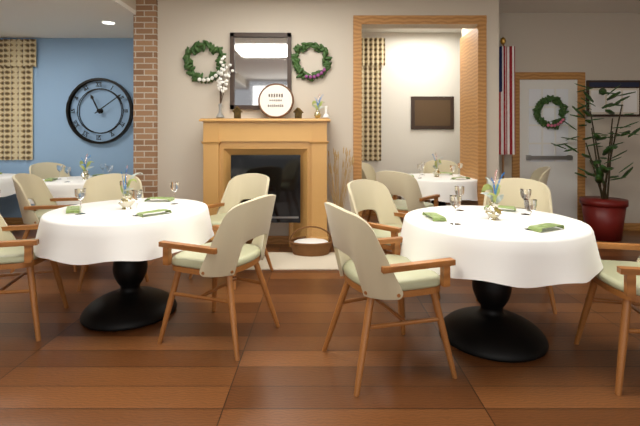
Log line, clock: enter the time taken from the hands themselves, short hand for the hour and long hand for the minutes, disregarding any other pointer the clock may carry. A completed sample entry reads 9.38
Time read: 11.09
